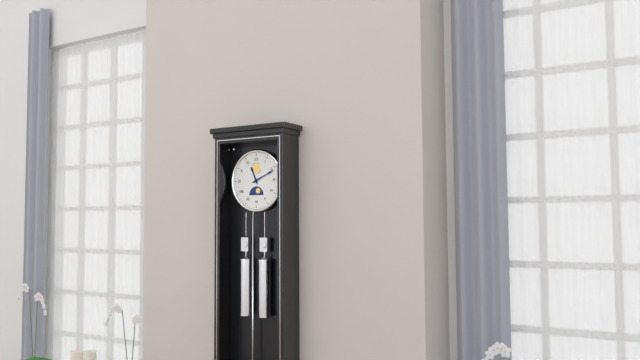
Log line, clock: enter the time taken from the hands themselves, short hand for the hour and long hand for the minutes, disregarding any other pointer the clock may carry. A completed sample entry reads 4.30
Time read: 11.11
